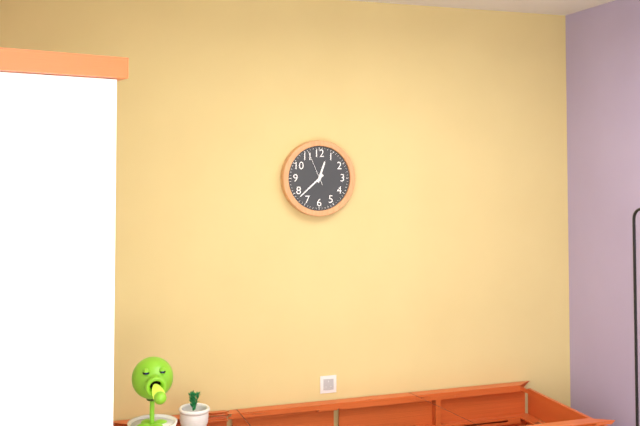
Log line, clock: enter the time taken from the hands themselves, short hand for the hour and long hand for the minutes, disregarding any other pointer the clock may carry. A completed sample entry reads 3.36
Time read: 12.38
